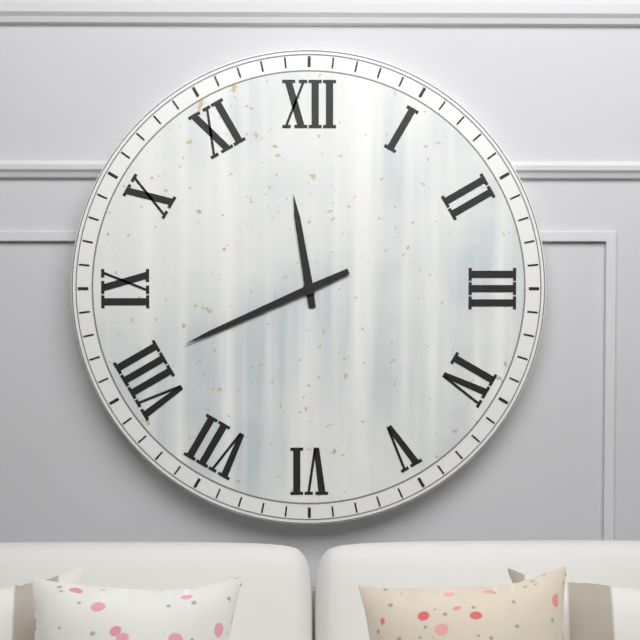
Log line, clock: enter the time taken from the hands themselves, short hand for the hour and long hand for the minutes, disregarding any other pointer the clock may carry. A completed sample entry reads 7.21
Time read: 11.41
